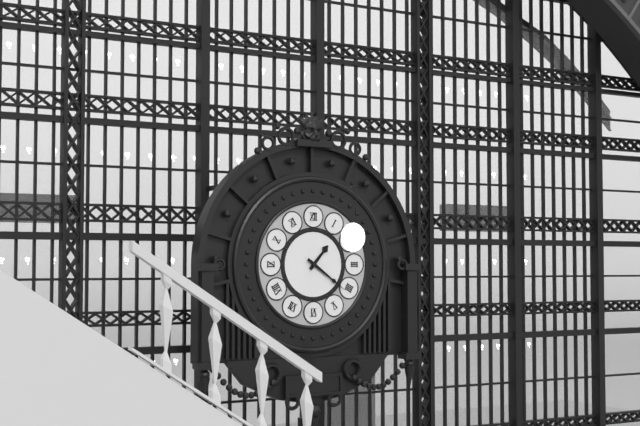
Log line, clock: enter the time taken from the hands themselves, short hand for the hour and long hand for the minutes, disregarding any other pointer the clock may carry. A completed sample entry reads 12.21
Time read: 1.21
